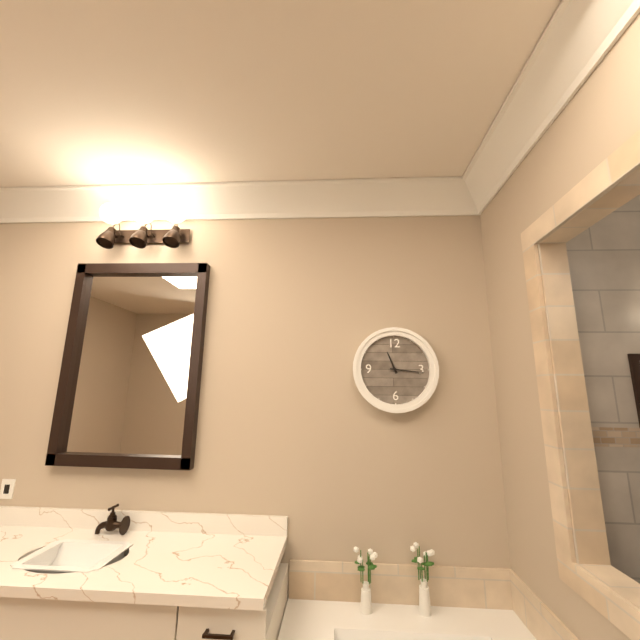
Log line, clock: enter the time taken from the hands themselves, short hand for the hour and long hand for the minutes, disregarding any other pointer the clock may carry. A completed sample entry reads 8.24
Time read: 11.16
